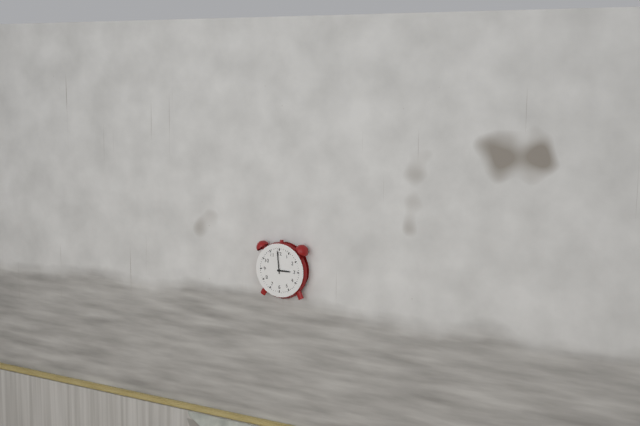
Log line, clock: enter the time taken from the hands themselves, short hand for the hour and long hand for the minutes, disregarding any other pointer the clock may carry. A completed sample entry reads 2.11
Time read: 2.59
